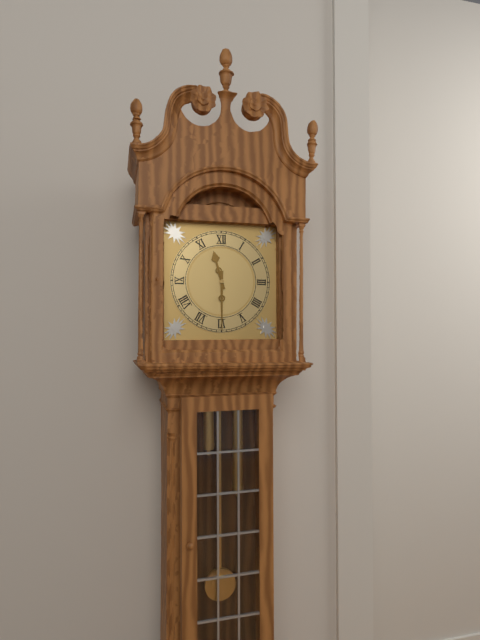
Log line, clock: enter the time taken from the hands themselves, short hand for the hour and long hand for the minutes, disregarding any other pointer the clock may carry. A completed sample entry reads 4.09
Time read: 11.30
